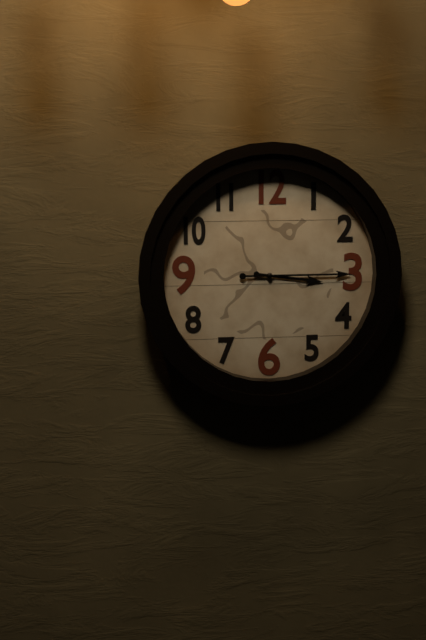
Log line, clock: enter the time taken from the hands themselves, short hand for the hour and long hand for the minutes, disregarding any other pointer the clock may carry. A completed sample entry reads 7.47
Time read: 3.15
